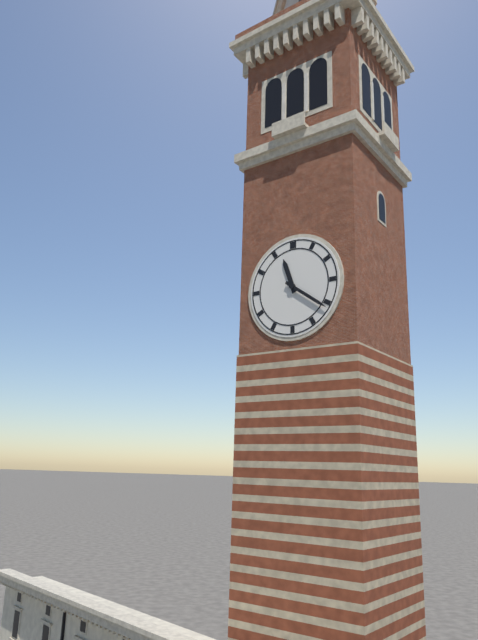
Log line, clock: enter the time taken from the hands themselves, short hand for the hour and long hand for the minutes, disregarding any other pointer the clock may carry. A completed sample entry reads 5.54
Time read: 11.21
